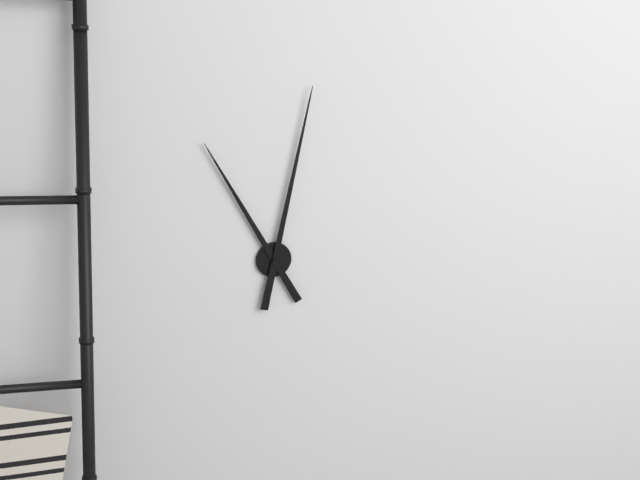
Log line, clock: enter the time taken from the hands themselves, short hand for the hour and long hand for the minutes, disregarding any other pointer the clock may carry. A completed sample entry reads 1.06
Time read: 11.02
